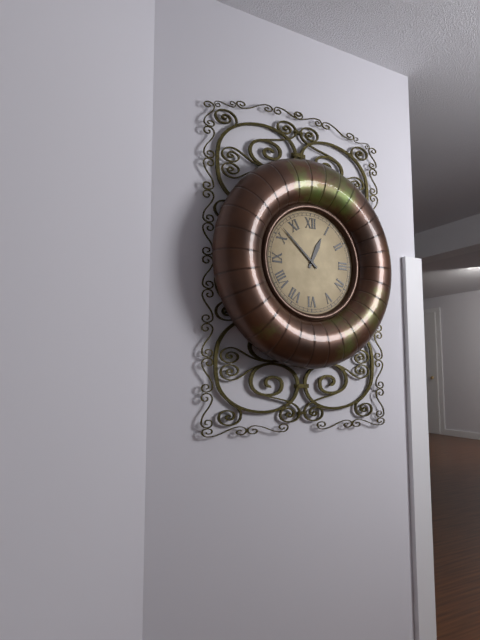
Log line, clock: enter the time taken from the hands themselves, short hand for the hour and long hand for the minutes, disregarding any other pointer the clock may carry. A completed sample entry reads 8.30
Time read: 12.52
